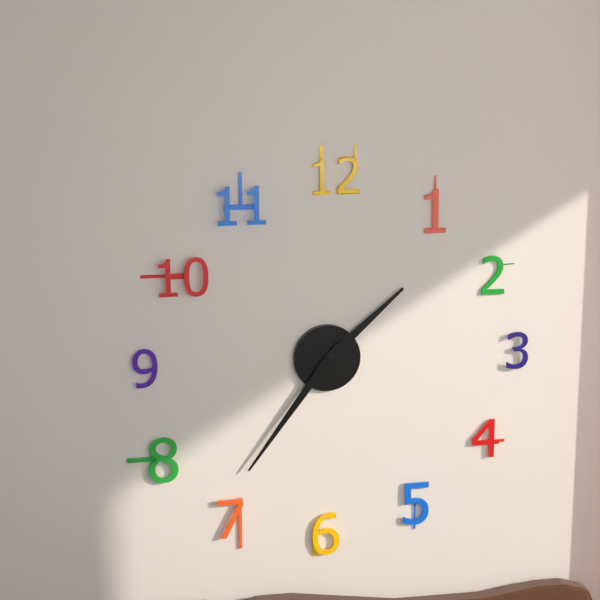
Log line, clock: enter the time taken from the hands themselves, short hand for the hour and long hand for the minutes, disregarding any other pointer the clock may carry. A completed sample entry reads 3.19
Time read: 1.36
